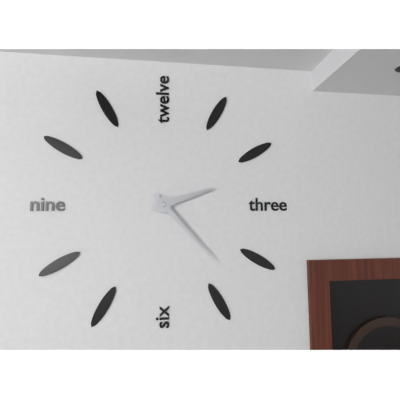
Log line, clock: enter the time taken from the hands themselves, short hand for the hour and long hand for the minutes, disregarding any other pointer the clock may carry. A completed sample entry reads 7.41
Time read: 2.23
